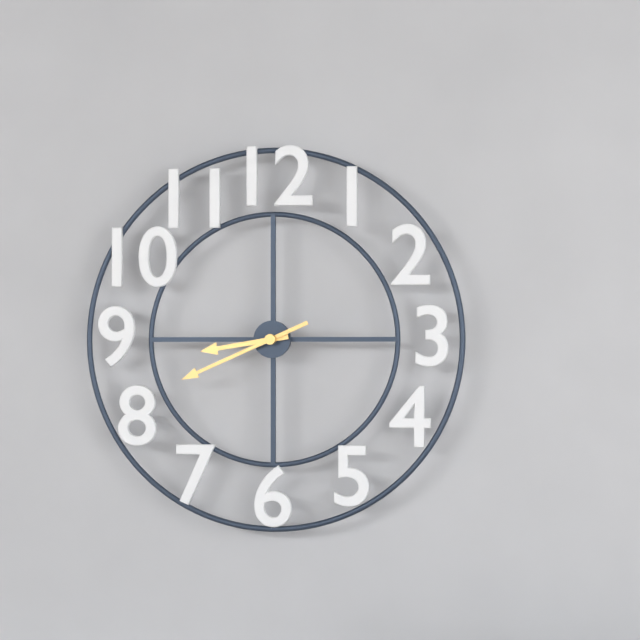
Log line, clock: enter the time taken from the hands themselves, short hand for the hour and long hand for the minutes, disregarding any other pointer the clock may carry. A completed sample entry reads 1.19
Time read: 8.41
